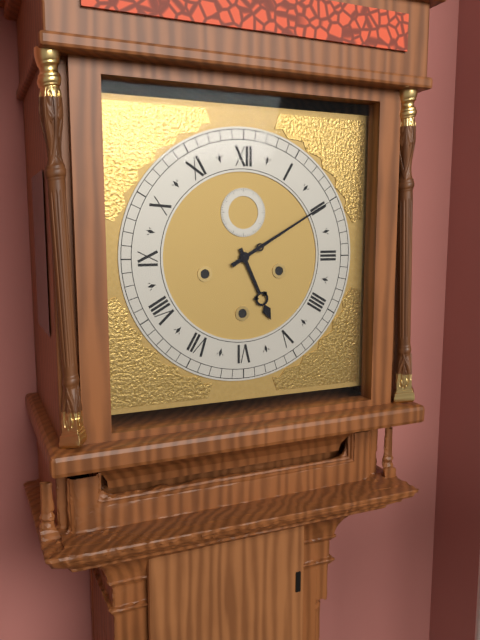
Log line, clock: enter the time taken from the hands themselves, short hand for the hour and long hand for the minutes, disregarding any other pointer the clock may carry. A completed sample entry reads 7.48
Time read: 5.10
